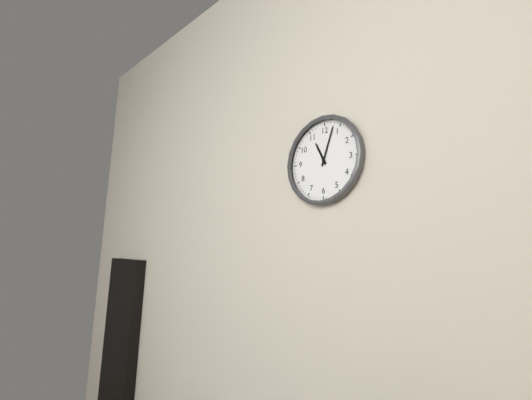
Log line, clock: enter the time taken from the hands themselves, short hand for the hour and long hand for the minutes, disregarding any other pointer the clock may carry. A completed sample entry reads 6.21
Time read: 11.03
